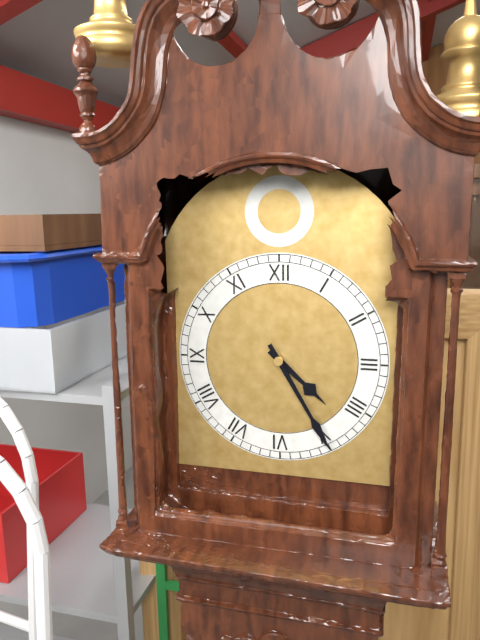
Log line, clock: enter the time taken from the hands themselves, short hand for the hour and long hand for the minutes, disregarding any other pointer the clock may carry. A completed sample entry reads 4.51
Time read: 4.25
